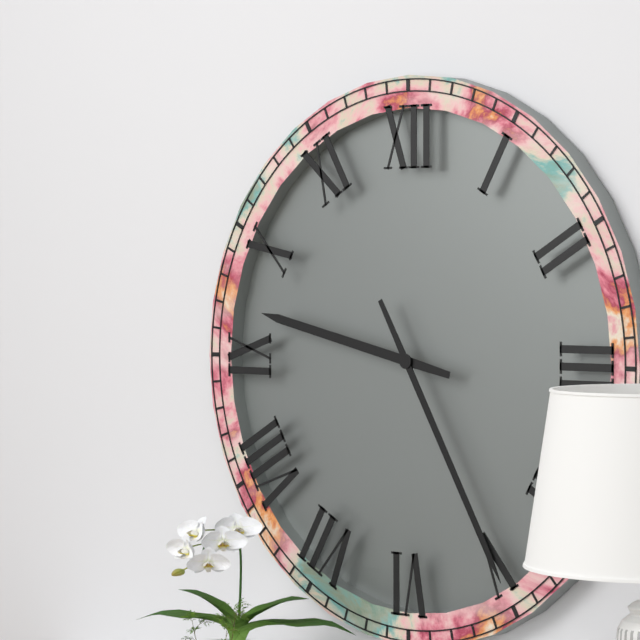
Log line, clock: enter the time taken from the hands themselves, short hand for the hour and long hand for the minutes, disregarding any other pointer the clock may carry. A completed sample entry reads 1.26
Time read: 9.25
